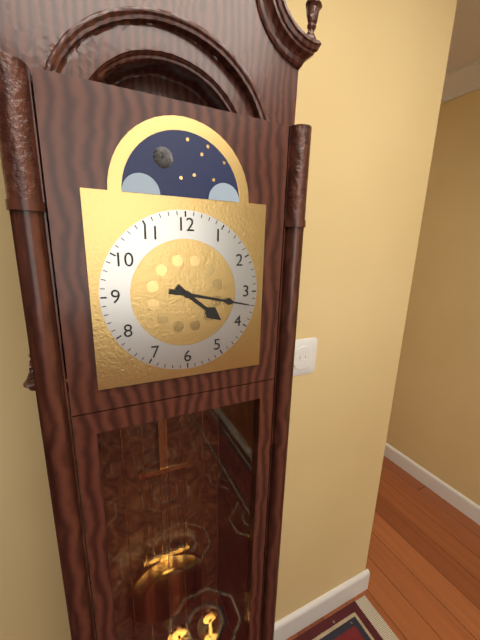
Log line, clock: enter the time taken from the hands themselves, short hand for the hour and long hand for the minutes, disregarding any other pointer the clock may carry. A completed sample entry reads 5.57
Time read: 4.17
